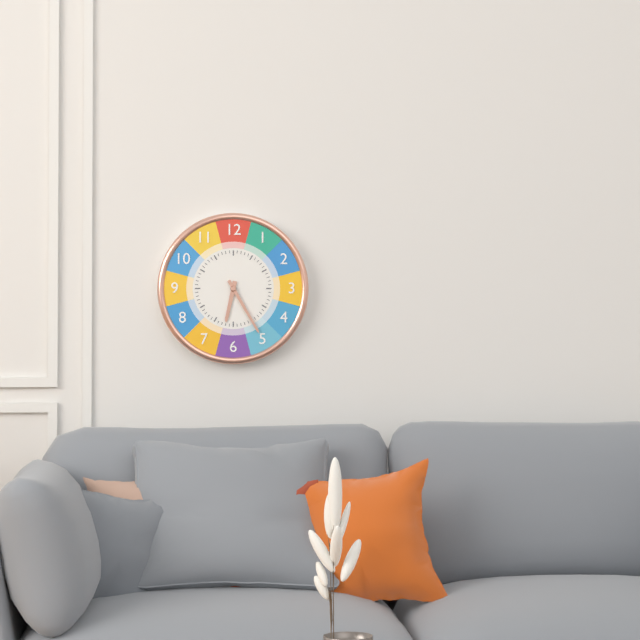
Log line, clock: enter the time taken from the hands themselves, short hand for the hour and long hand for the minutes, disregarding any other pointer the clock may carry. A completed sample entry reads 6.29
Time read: 6.25
